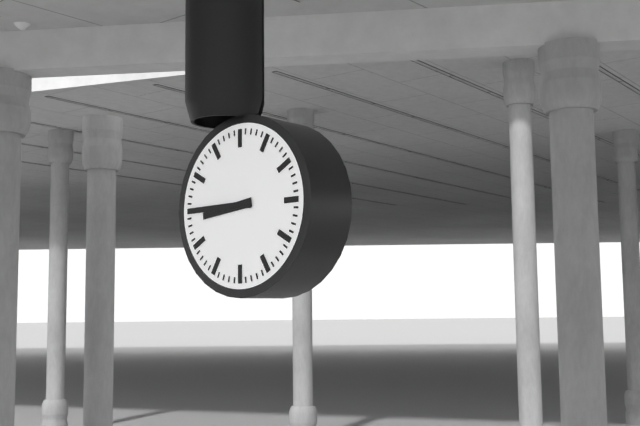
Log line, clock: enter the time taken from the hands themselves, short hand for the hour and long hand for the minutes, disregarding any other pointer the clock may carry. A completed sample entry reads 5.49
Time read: 8.45
